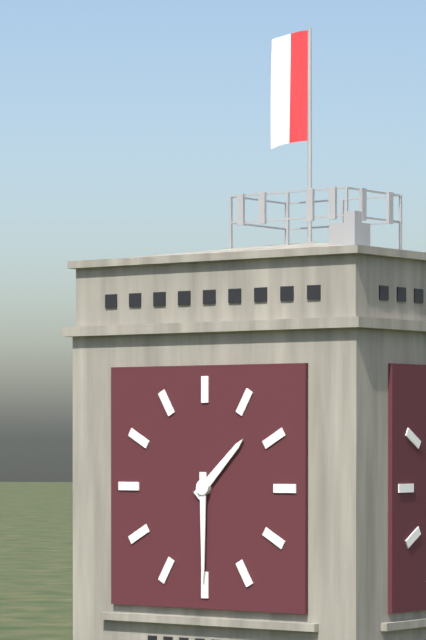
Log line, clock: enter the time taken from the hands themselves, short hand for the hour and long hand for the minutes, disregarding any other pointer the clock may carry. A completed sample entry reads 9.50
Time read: 1.30
